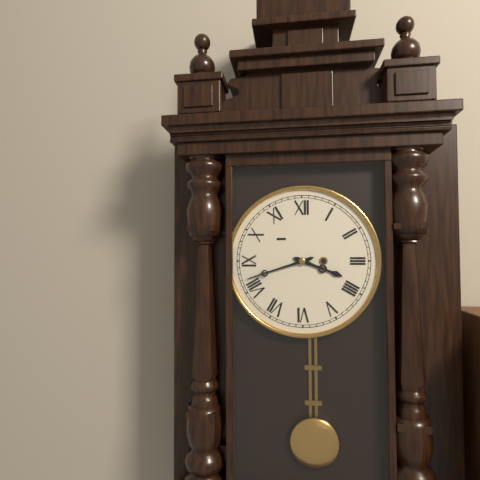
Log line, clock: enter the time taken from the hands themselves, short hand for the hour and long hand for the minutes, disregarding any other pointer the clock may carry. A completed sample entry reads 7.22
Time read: 3.42
